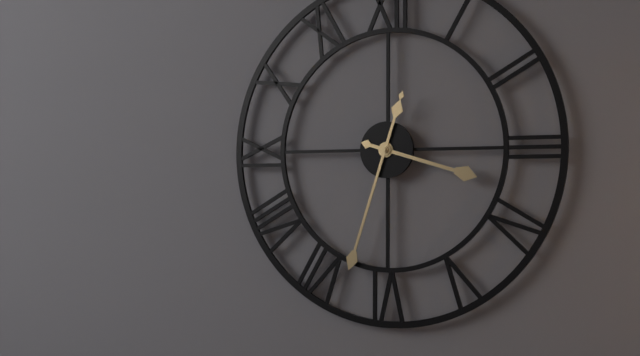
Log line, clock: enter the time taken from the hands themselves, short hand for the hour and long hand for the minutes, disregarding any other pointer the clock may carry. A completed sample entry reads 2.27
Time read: 3.33
